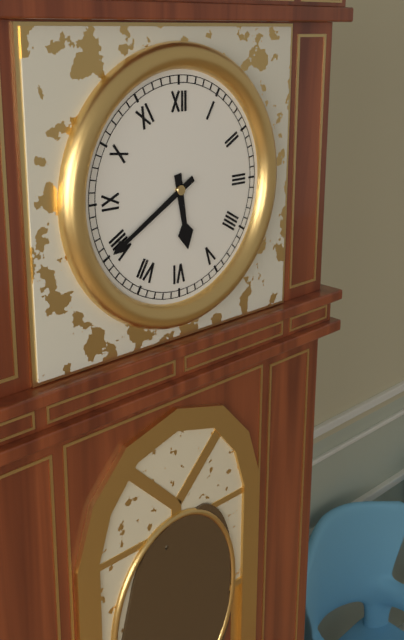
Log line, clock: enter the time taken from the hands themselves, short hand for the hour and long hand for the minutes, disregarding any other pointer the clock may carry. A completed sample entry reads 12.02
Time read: 5.40
